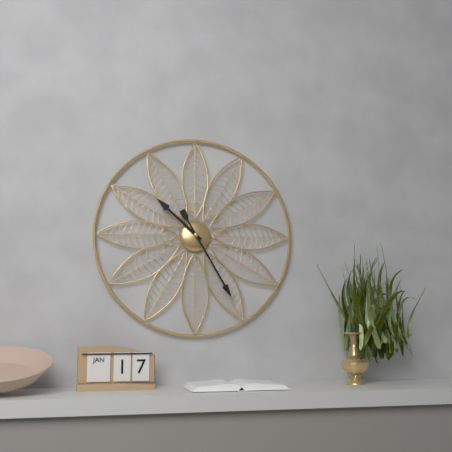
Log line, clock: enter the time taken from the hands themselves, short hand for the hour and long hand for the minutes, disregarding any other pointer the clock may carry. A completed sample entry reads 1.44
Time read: 10.25
